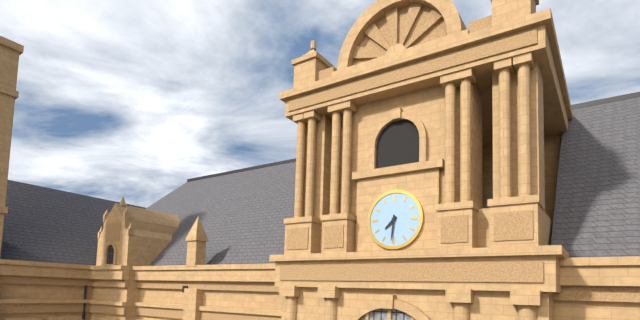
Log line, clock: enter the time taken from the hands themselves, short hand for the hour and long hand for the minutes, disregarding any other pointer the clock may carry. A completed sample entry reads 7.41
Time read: 7.31
